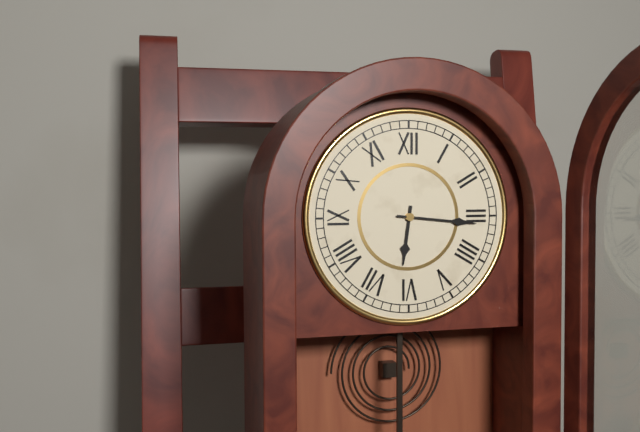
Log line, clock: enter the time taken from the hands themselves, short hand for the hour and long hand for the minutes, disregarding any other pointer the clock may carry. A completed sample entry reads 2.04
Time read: 6.16
